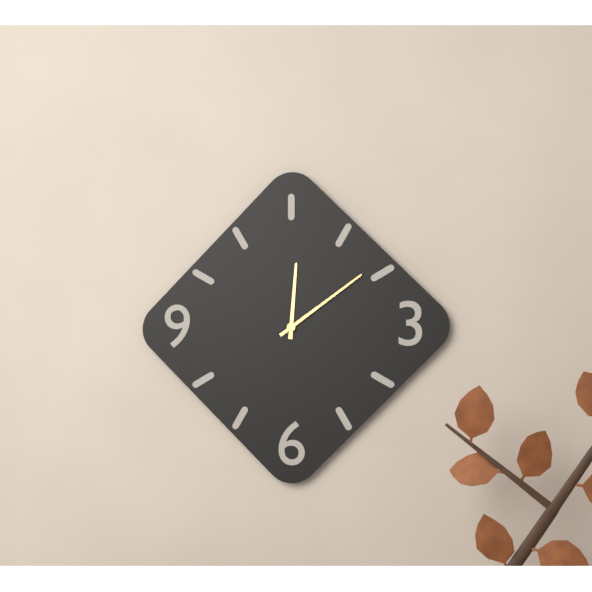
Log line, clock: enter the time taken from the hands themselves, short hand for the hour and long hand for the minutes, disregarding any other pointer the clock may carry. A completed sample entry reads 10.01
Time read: 12.09
